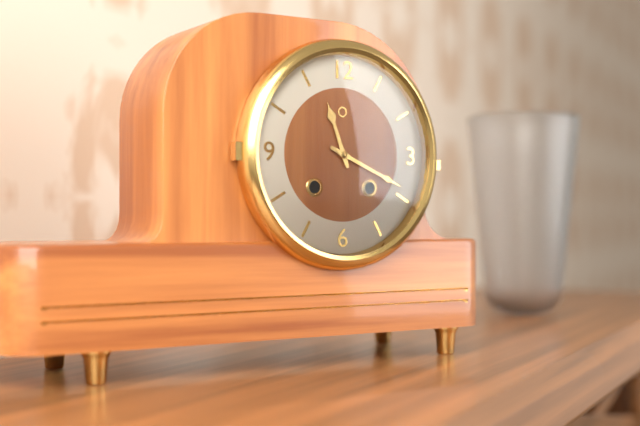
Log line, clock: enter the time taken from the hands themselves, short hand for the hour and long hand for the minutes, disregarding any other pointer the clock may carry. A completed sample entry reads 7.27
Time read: 11.19
